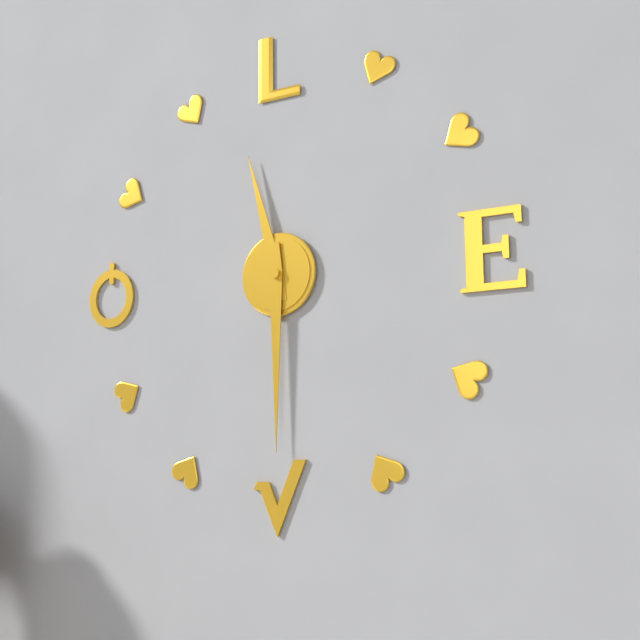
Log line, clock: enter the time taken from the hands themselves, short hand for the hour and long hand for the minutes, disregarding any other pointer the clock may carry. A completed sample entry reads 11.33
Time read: 11.30
